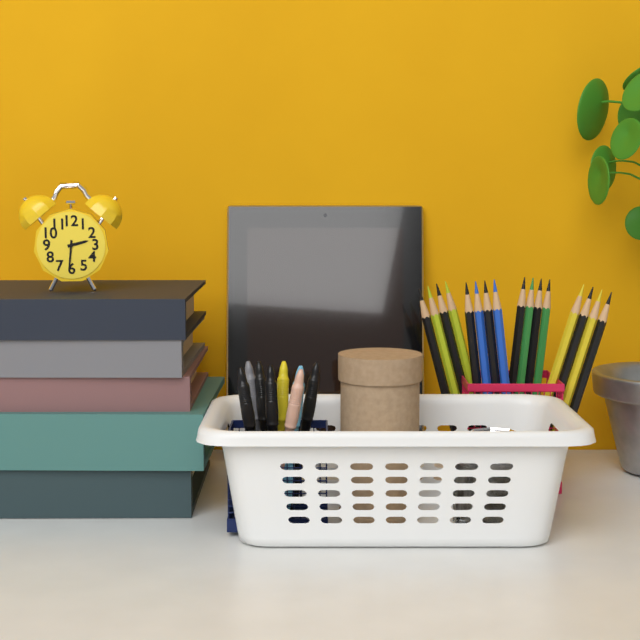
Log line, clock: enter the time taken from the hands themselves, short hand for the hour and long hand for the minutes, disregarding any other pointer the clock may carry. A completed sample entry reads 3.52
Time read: 2.31
